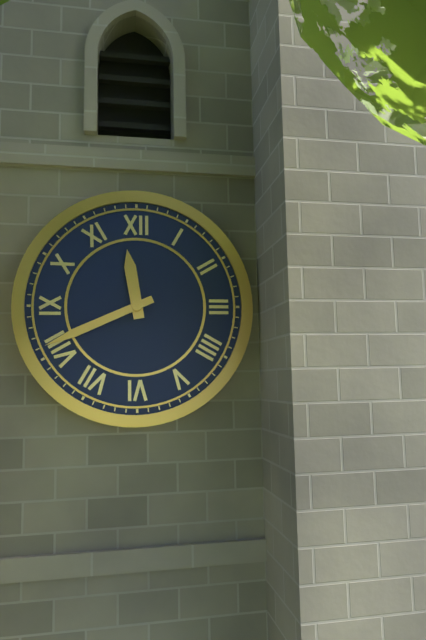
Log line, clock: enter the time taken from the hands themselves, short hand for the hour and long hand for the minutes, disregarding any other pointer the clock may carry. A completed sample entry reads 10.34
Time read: 11.41
